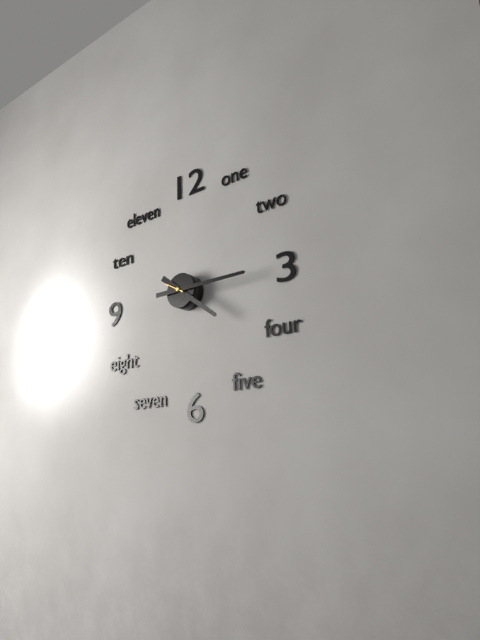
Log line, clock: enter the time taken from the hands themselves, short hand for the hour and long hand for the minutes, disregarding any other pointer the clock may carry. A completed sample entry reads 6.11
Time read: 4.15
